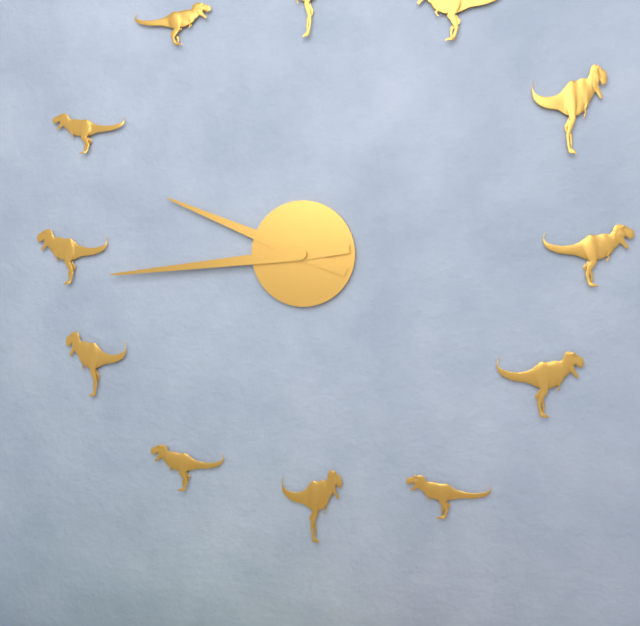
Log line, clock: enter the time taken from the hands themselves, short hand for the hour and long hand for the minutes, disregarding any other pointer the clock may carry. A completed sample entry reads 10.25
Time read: 9.44
